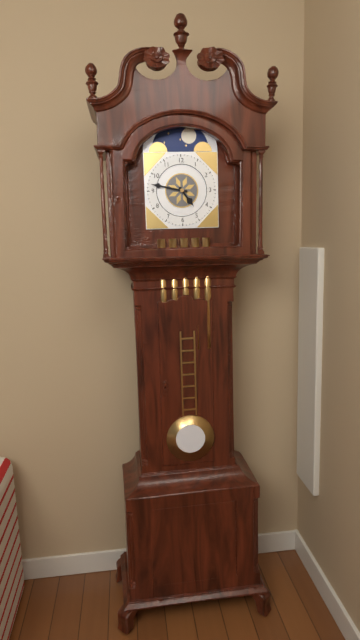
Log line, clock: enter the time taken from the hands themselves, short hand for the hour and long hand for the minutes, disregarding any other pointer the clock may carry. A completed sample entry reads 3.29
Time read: 4.47
